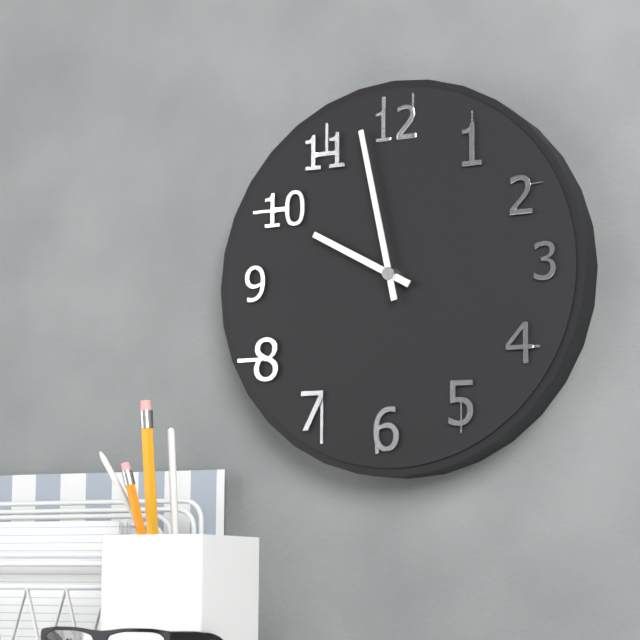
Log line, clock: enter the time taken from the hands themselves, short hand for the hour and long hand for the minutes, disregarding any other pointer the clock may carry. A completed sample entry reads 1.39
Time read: 9.58
